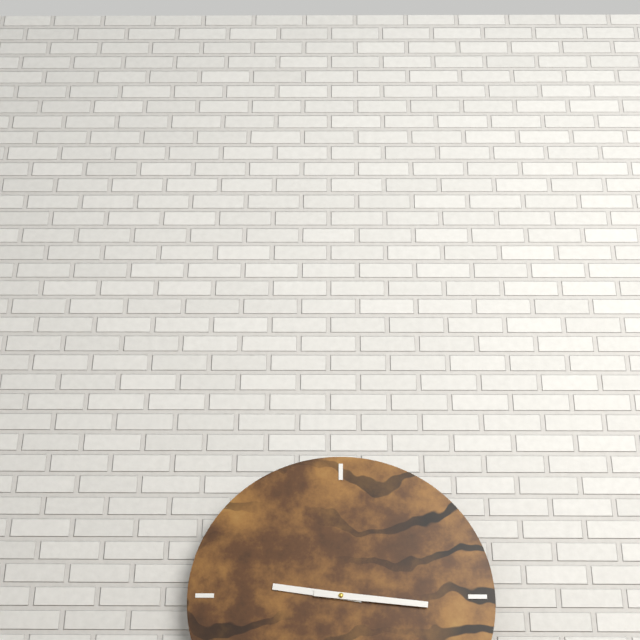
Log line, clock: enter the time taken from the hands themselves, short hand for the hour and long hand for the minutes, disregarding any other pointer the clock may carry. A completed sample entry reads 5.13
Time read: 9.16
